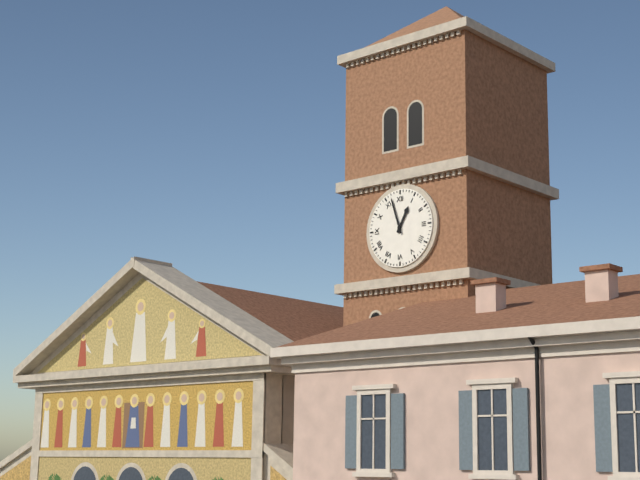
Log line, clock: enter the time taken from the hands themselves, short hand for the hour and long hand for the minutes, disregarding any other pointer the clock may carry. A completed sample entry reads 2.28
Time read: 12.57
